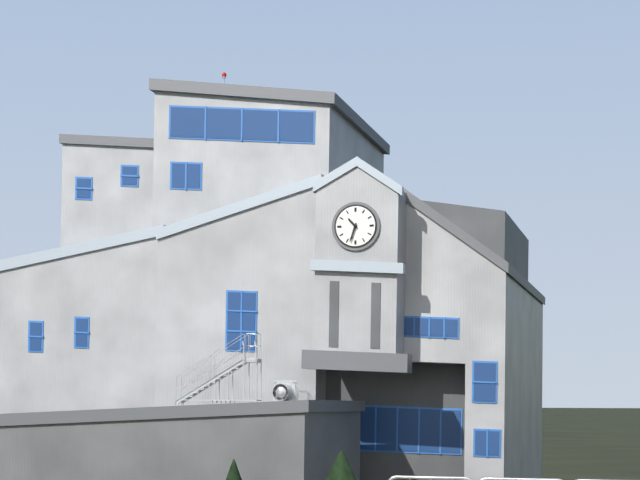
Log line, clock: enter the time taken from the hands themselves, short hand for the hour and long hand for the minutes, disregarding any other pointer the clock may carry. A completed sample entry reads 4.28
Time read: 10.33
